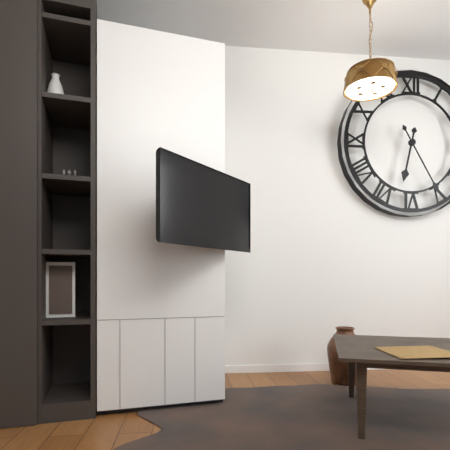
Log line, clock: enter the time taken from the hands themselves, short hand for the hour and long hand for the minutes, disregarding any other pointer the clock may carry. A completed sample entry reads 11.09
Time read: 6.25
